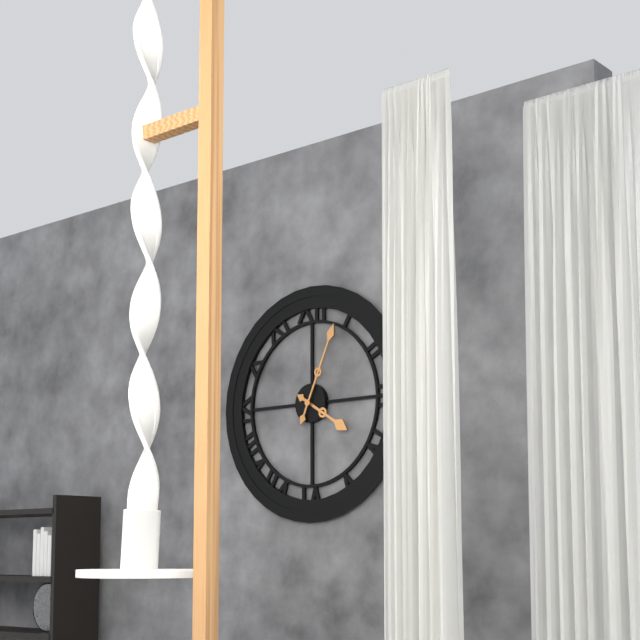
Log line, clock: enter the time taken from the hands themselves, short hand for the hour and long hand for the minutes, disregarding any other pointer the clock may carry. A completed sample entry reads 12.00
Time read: 4.04
